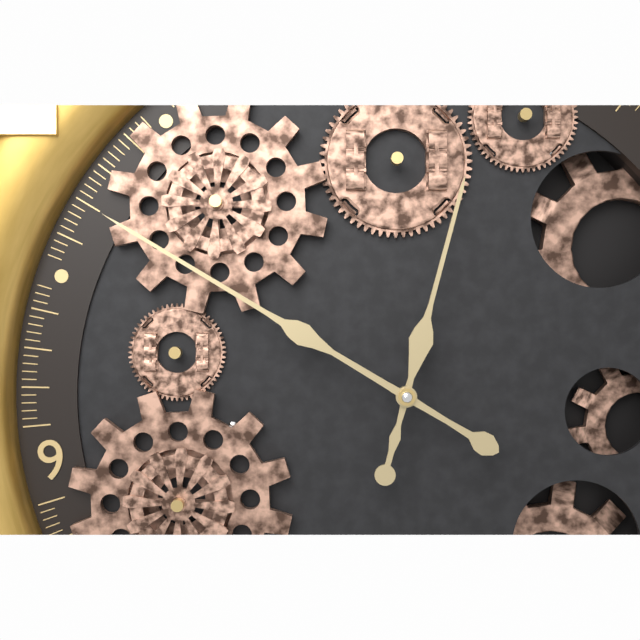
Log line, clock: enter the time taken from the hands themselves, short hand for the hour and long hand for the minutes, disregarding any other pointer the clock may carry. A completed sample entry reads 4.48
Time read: 12.52
